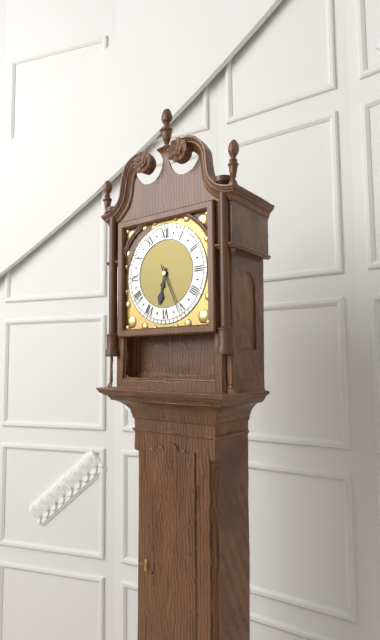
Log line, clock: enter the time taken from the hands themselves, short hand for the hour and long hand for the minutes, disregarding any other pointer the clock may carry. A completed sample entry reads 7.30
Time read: 6.26
